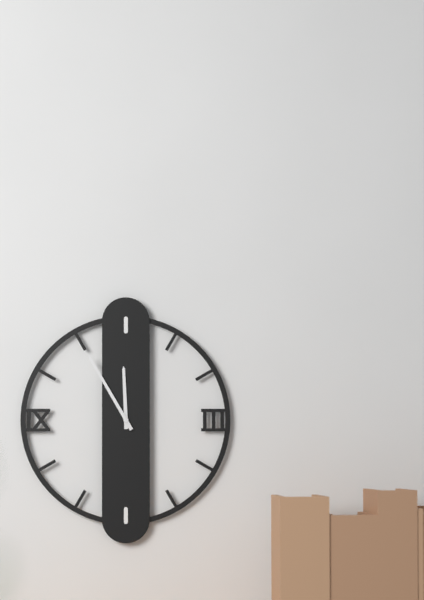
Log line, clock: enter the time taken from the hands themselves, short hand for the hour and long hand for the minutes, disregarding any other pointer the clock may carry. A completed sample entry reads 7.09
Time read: 11.55
